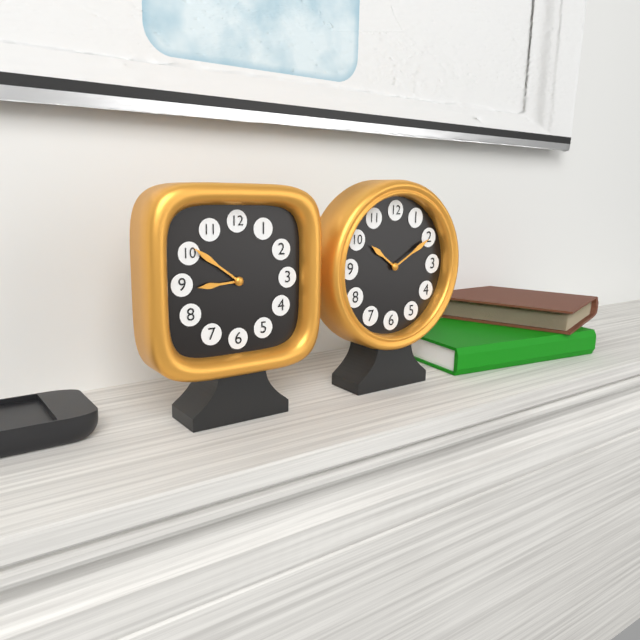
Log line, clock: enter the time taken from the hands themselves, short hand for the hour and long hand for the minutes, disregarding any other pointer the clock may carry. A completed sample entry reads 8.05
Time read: 8.51
